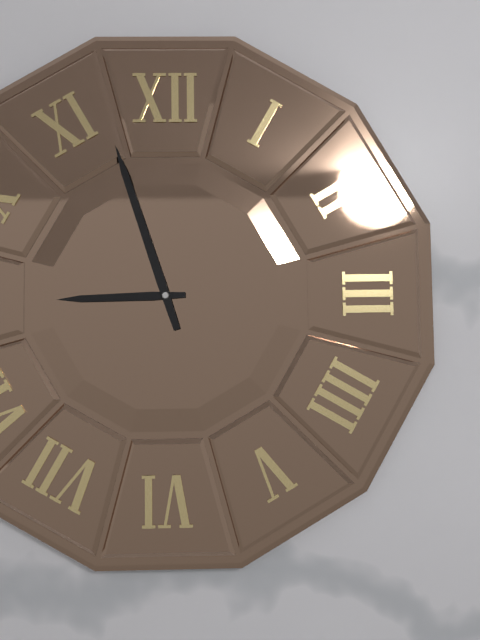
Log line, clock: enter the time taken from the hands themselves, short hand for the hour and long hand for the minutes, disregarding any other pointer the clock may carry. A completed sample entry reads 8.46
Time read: 8.57
